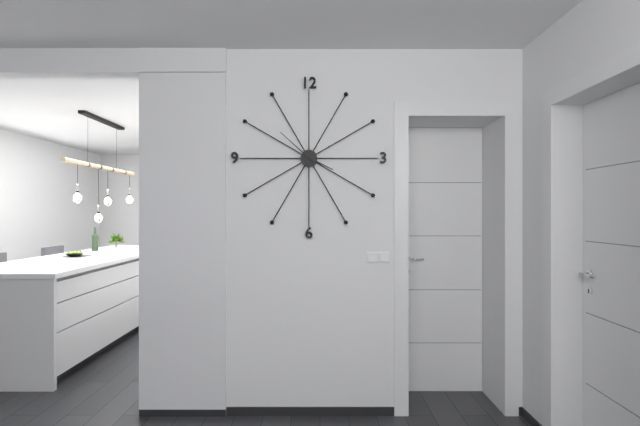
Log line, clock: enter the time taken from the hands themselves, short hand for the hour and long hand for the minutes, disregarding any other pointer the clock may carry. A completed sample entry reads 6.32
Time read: 3.52
